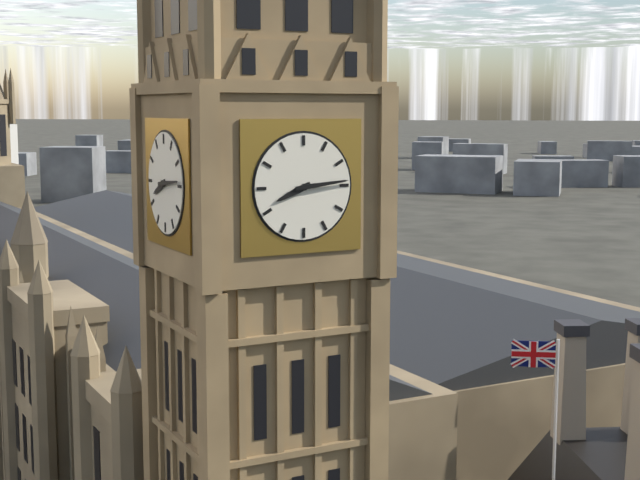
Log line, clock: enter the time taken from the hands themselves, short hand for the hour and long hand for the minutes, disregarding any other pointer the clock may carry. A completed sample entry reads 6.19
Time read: 8.14
